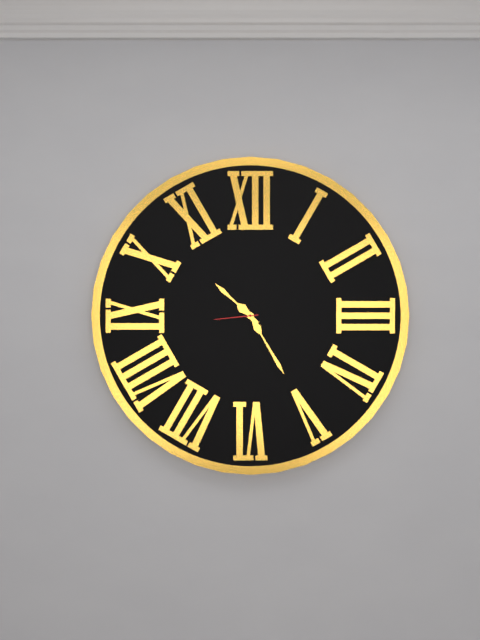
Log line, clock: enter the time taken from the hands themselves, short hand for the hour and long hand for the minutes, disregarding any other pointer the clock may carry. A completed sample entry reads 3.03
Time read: 10.25
